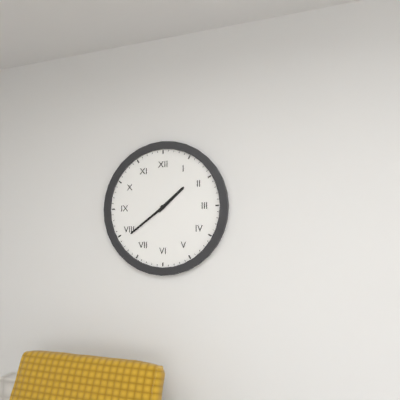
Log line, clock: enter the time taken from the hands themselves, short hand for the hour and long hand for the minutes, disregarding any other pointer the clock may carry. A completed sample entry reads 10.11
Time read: 1.39
